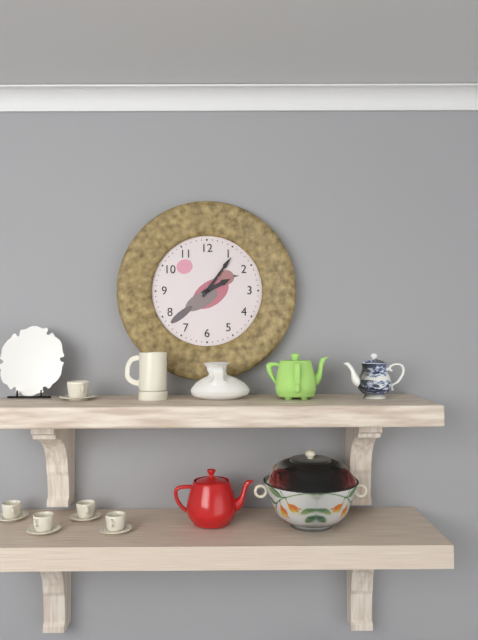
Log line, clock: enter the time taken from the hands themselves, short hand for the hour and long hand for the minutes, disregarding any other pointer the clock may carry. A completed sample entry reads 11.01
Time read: 2.06
